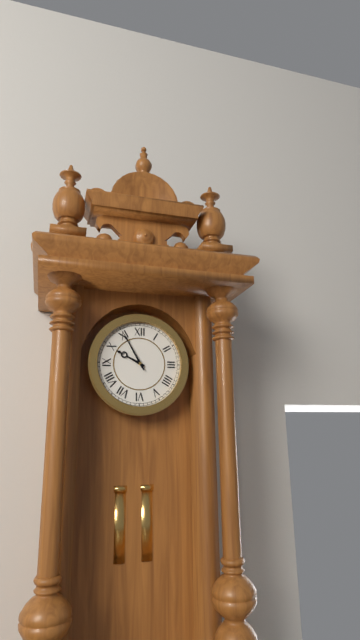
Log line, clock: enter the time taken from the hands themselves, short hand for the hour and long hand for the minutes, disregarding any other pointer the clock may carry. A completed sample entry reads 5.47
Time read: 9.55
